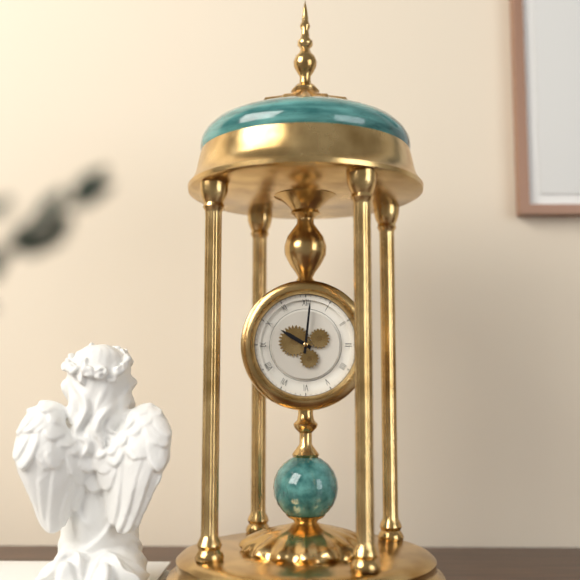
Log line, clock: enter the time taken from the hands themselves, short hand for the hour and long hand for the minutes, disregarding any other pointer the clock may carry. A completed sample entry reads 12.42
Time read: 10.01
